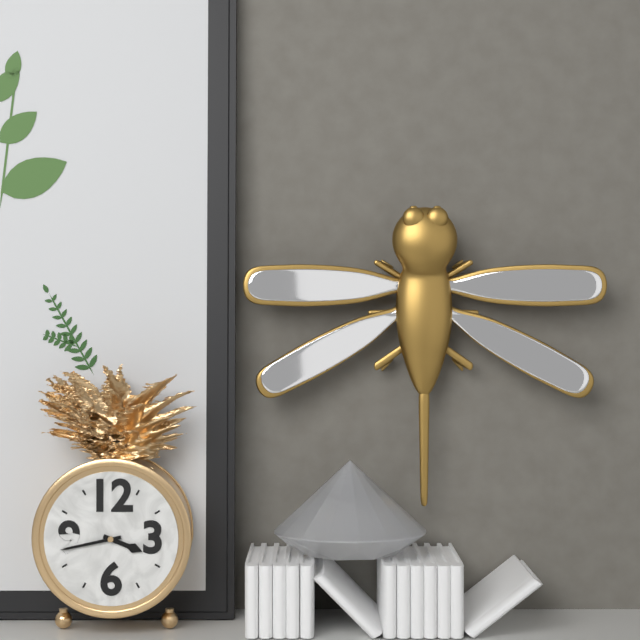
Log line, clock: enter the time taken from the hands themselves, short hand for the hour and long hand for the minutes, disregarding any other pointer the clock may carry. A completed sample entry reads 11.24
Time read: 3.43
